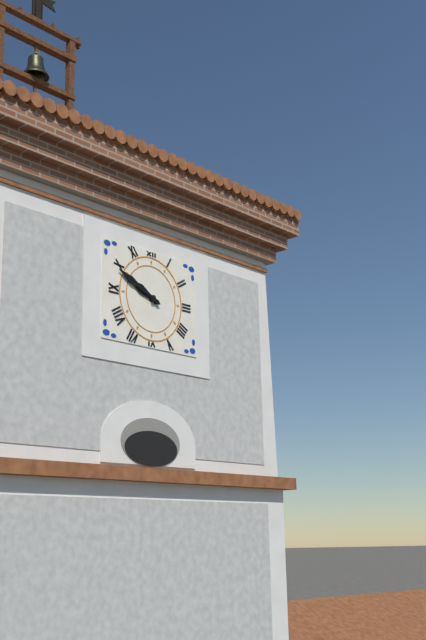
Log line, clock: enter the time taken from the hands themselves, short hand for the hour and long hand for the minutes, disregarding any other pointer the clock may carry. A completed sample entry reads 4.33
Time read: 9.49
